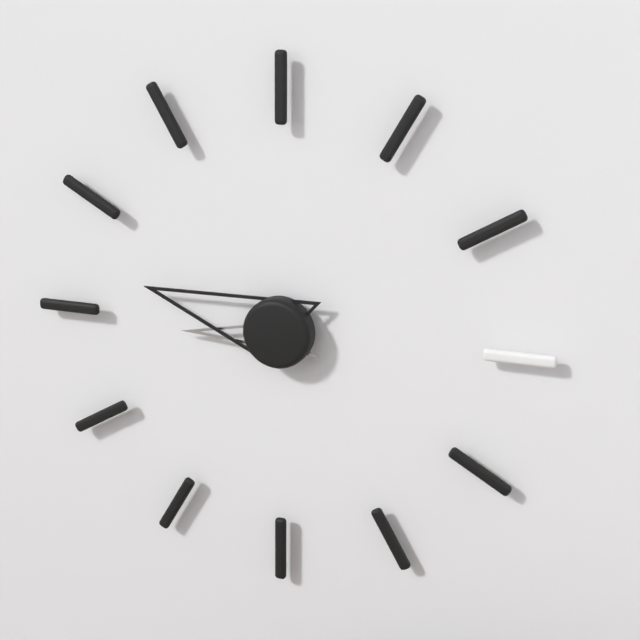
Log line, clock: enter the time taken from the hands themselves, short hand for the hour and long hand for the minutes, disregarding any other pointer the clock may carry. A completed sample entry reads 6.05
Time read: 8.47
